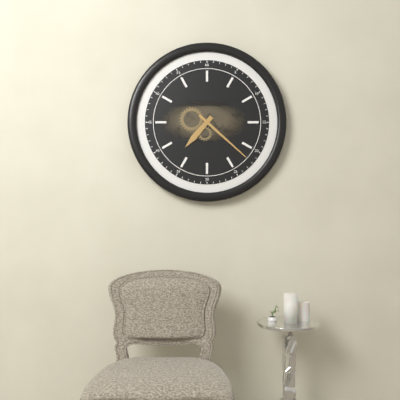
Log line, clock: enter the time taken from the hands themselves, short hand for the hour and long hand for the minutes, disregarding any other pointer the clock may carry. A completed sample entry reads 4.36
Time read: 7.22
